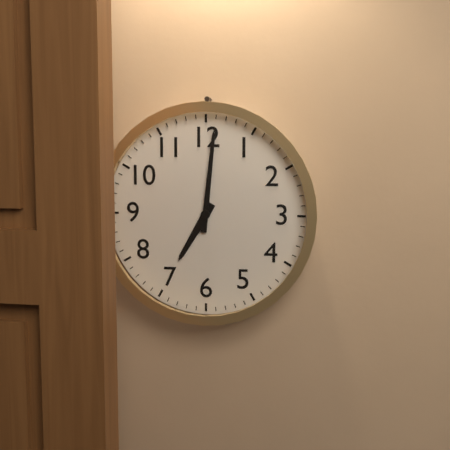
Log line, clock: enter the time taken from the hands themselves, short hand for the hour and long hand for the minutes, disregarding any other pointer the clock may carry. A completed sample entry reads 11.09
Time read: 7.01
